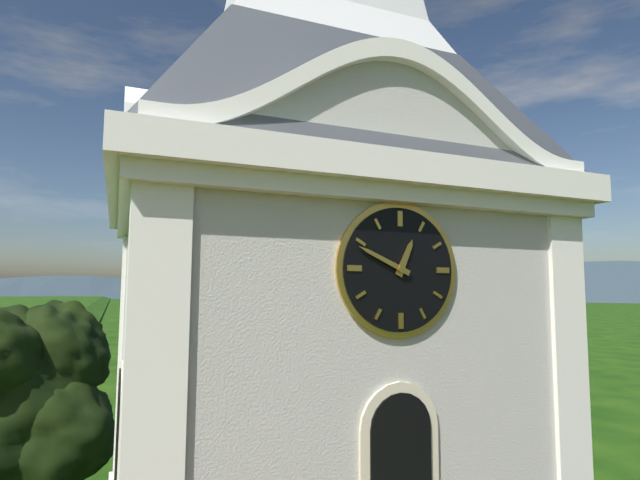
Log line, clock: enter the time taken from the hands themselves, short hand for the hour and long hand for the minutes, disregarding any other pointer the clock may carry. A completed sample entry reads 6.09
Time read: 12.49
